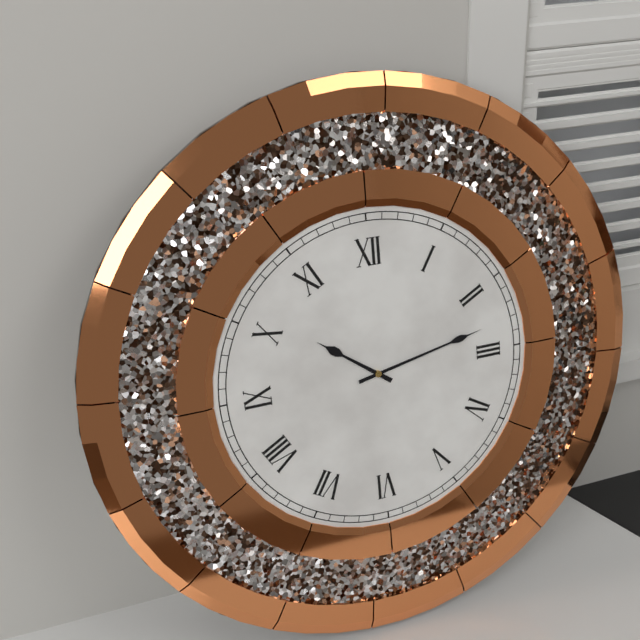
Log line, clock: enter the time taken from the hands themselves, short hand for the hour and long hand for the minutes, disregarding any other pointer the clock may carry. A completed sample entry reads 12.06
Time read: 10.13
